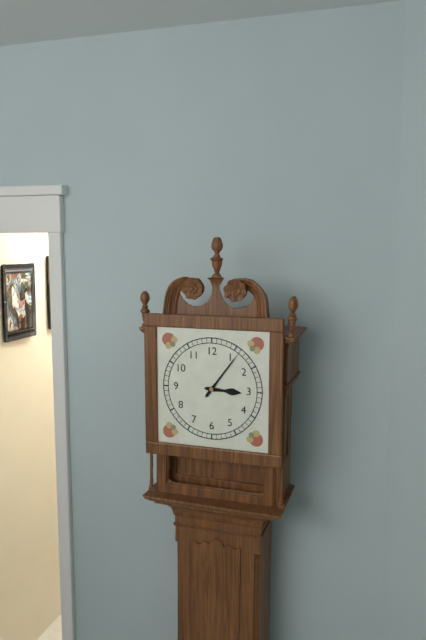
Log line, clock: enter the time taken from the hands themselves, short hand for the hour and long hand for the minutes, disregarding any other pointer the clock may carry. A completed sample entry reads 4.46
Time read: 3.06
